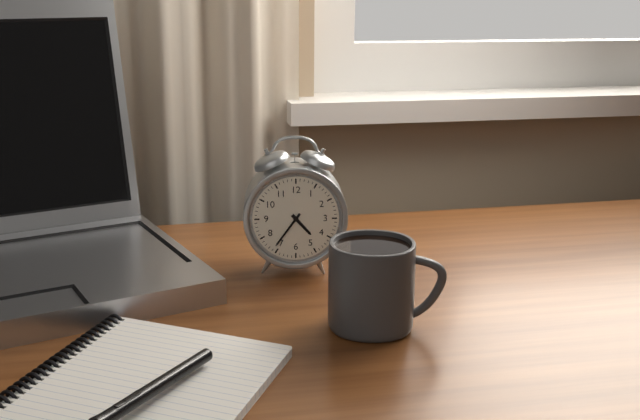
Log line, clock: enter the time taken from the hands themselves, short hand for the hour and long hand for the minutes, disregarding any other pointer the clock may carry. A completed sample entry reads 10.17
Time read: 4.36
